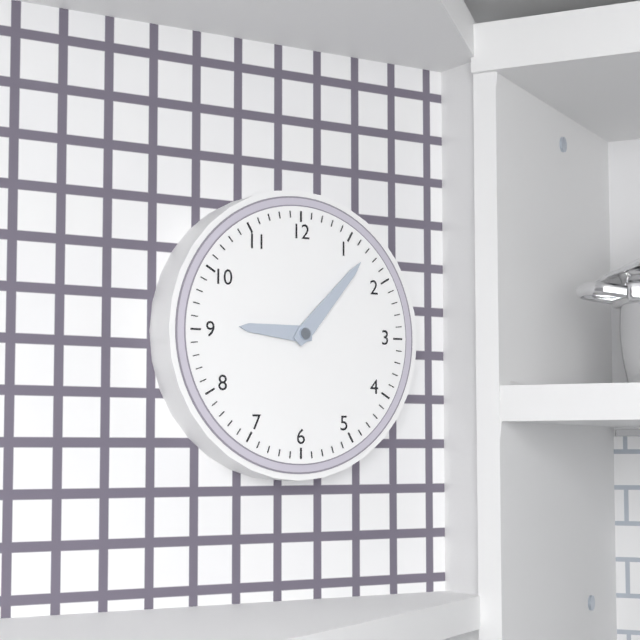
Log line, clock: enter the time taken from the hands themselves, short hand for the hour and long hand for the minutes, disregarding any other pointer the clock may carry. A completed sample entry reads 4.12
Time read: 9.07
